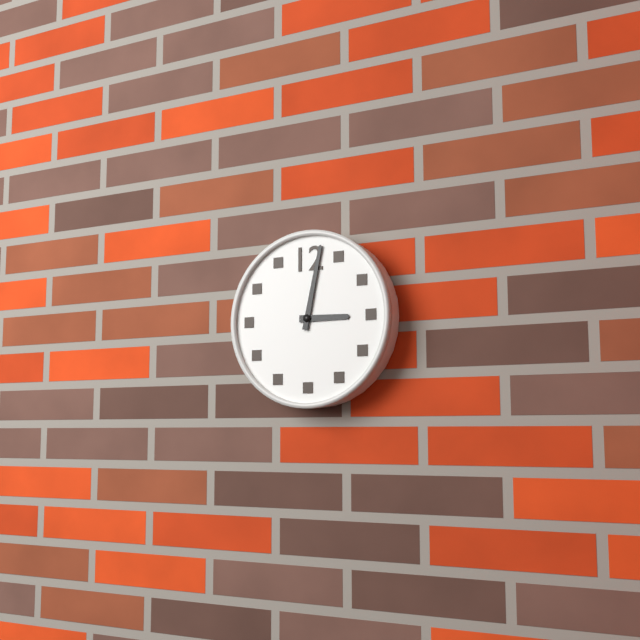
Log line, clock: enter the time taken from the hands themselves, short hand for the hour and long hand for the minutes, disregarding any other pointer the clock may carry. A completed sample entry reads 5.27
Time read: 3.02
